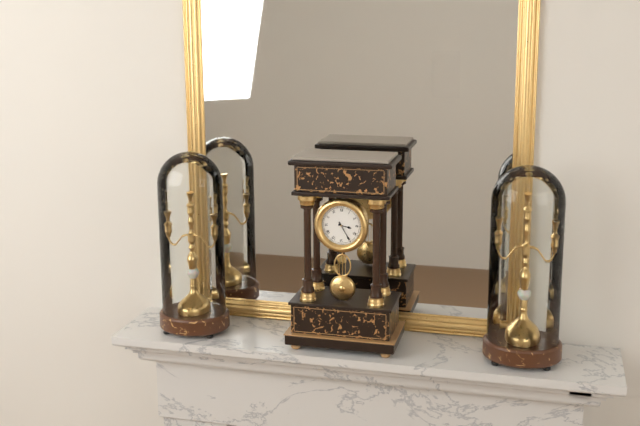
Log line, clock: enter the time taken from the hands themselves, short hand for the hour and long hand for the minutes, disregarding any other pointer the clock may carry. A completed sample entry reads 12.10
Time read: 3.25
